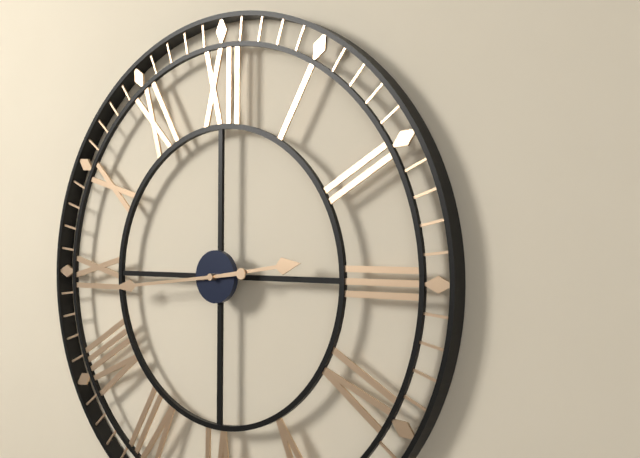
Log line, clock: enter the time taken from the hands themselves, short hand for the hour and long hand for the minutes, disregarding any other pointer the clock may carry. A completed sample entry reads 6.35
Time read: 2.44
